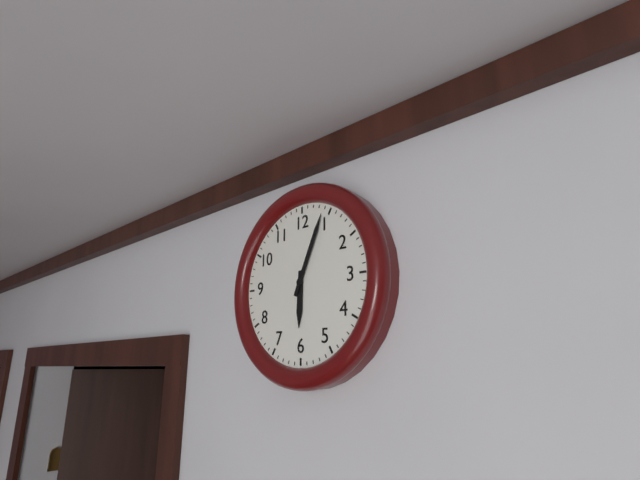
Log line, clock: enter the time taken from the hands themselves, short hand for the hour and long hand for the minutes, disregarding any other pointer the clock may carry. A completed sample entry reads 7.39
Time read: 6.04
